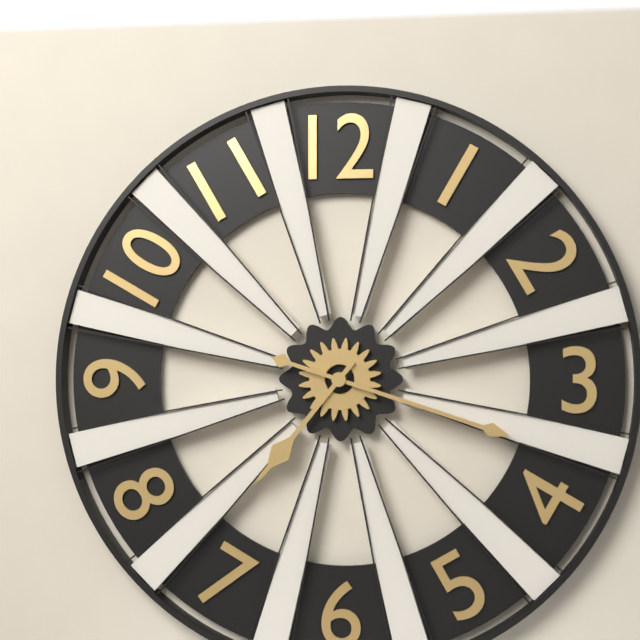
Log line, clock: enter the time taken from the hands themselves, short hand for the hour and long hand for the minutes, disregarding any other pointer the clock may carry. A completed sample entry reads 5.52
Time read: 7.18
